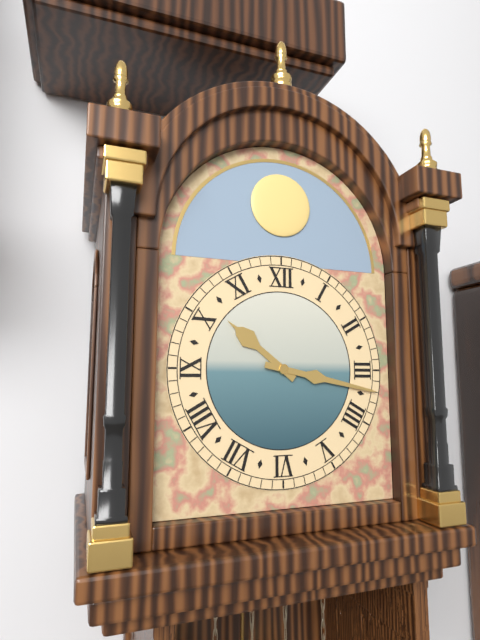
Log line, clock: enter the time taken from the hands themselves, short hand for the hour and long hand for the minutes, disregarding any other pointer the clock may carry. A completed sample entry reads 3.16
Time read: 10.17
